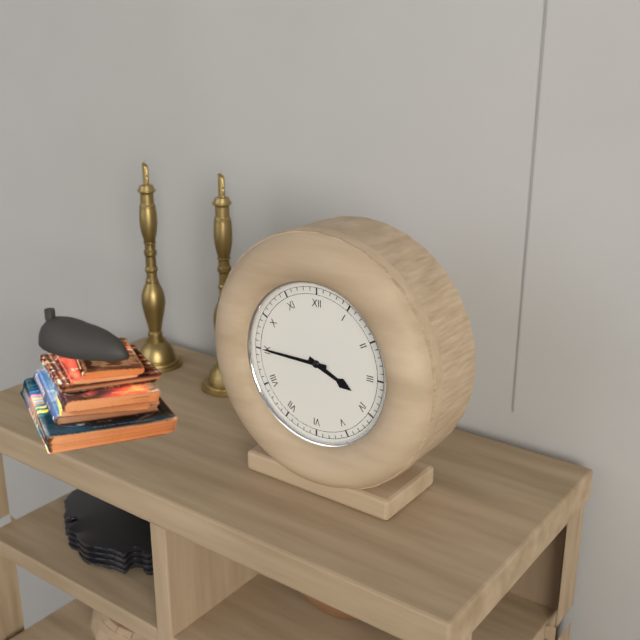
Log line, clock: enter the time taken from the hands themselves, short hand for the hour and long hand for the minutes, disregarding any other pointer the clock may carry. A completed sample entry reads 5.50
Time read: 3.45
